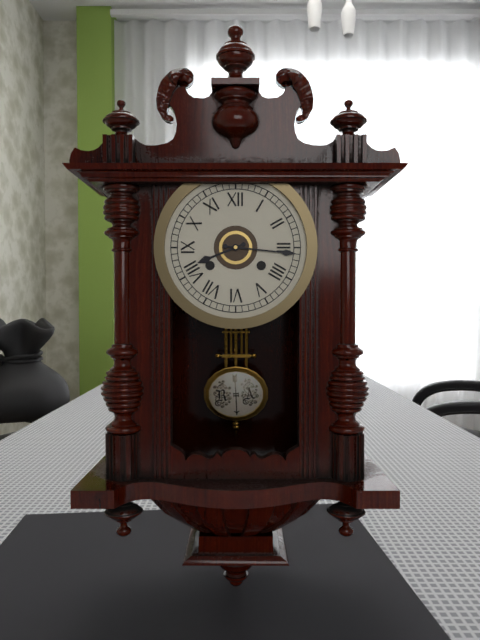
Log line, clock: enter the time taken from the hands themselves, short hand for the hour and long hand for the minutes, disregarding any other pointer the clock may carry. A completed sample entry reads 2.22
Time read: 8.16
